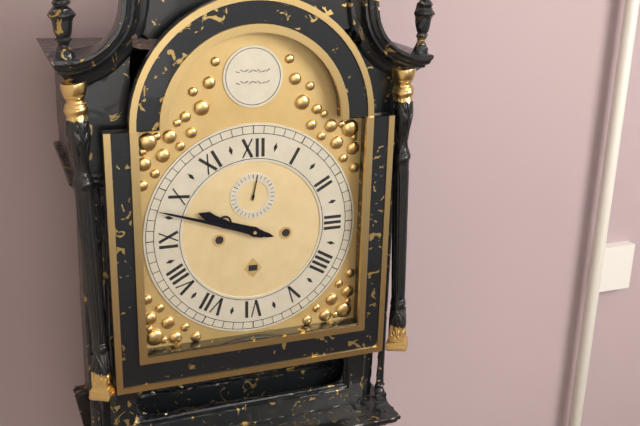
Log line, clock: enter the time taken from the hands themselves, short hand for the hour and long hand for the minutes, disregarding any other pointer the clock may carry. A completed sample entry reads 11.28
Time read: 9.48
